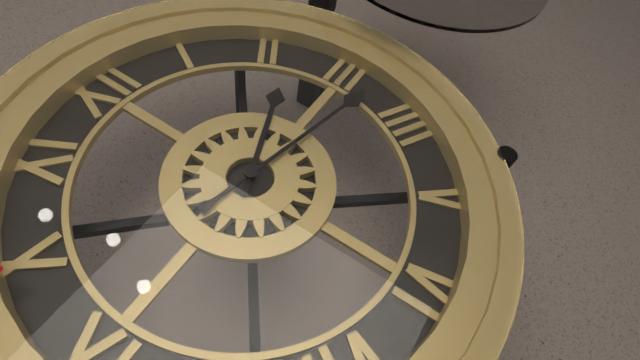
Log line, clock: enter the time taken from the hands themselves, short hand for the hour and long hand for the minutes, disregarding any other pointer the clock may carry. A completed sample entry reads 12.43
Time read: 2.17
